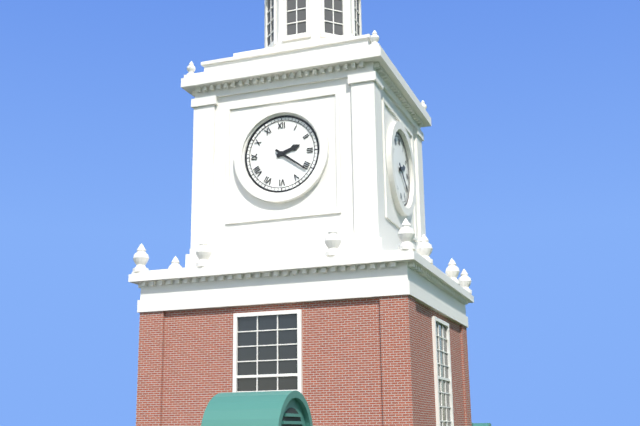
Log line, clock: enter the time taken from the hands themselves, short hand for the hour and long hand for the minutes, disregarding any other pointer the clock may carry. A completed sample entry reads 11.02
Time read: 2.21
